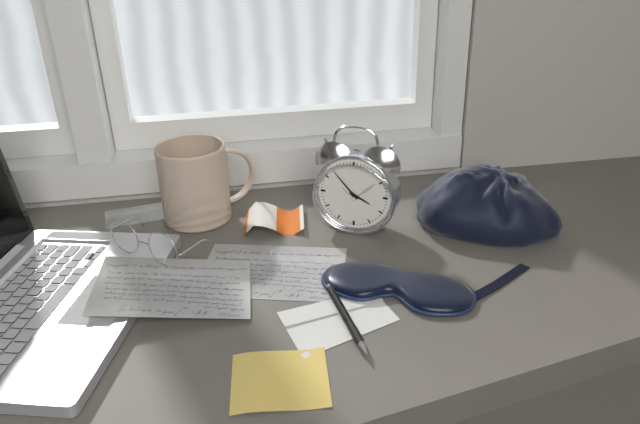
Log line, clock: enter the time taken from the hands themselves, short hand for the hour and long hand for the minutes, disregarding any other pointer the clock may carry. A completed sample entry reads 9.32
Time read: 3.53
